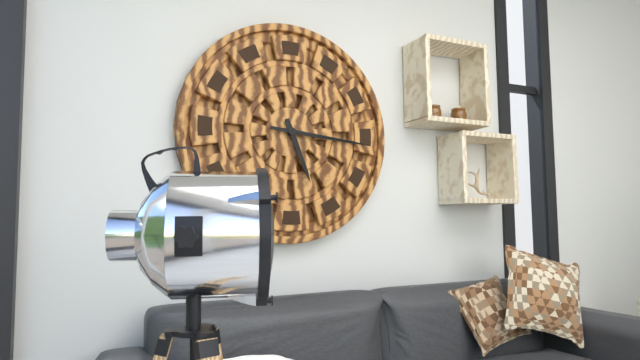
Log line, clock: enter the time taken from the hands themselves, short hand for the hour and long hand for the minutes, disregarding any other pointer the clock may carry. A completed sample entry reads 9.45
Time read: 5.16
